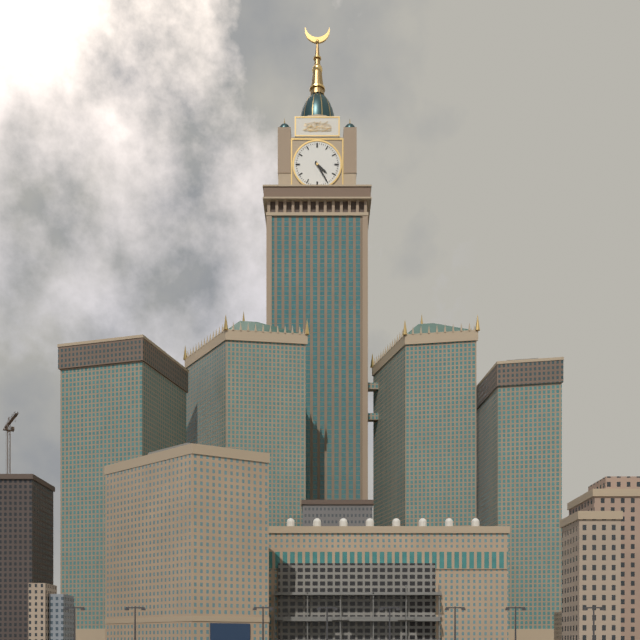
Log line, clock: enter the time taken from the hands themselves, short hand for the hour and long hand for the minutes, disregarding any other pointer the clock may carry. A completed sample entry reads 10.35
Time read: 4.25
